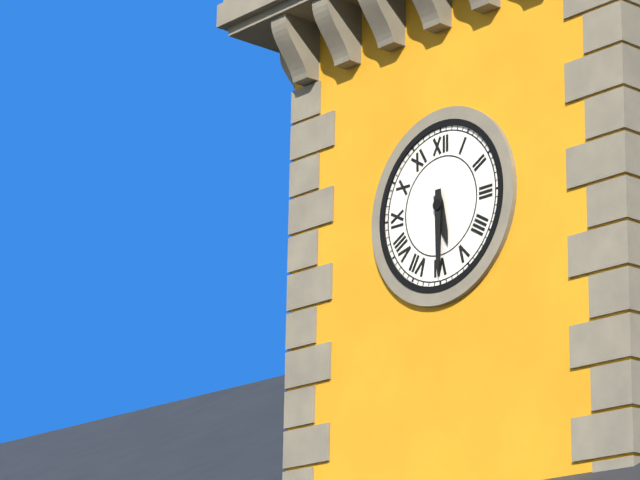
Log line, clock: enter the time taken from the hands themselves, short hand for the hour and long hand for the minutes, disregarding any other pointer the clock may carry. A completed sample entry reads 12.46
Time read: 5.30
